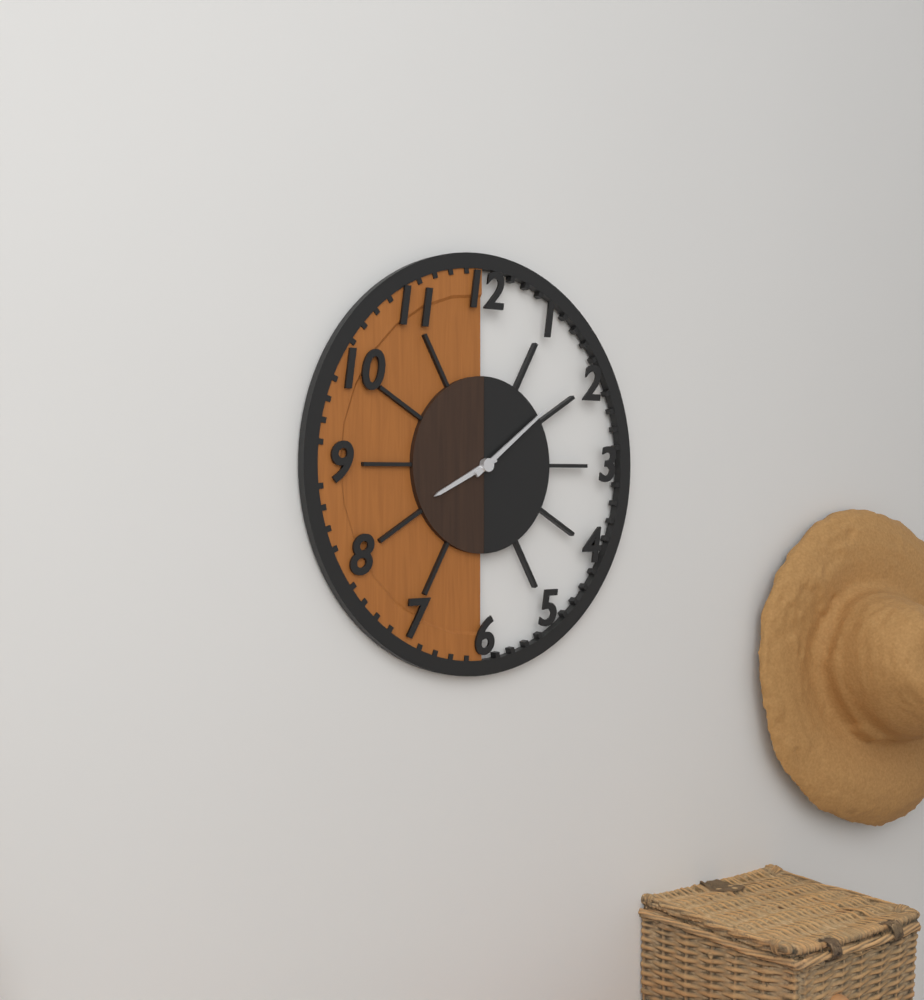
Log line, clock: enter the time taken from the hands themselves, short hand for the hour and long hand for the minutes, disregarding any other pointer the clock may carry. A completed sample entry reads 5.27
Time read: 8.09
